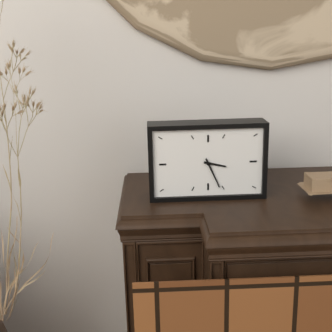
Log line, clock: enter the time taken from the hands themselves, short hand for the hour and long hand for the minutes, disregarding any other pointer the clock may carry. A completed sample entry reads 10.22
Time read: 3.26
